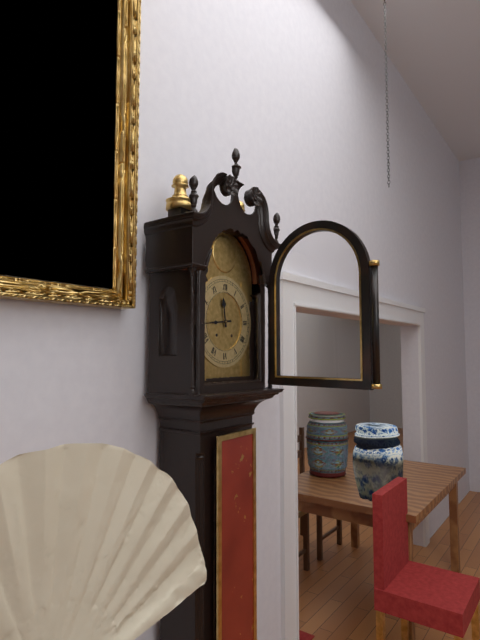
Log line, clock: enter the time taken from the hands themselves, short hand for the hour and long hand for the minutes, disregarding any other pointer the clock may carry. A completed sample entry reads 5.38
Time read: 11.44
